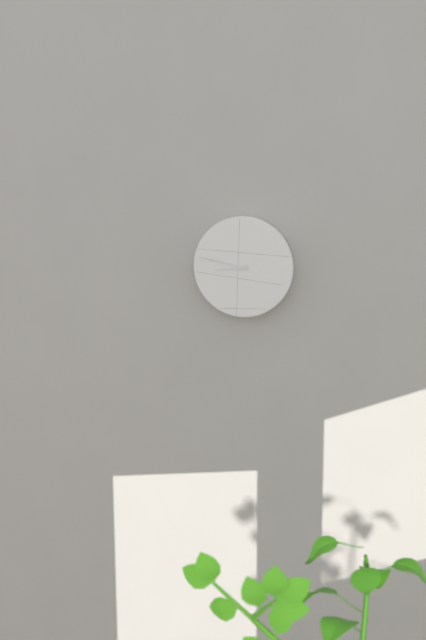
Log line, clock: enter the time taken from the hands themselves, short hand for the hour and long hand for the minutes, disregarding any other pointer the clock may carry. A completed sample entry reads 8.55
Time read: 8.47
